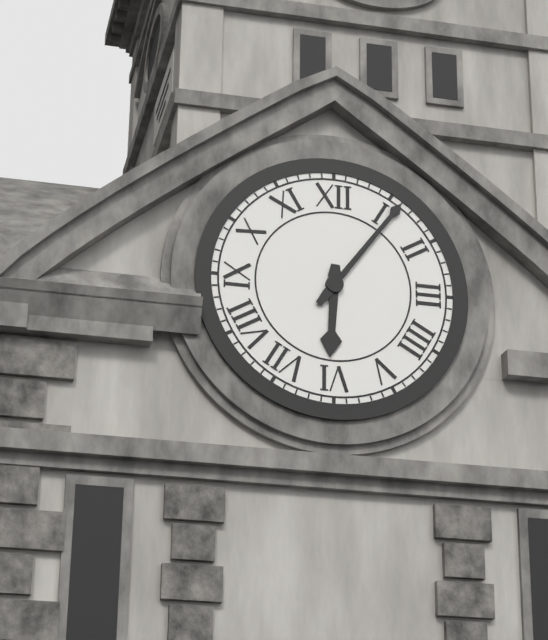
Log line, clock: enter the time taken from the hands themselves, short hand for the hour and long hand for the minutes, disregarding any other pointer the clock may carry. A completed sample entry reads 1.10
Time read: 6.06
